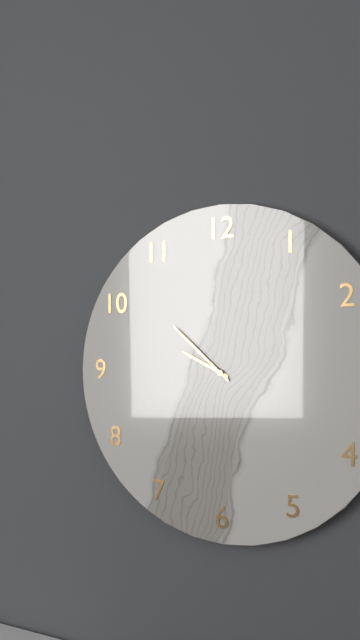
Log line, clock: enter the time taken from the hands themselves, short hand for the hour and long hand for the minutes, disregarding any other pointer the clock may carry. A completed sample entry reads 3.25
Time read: 9.52
